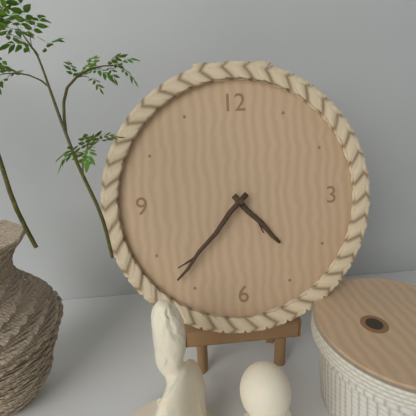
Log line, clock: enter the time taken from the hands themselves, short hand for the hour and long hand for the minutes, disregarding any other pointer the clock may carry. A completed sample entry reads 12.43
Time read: 4.37
